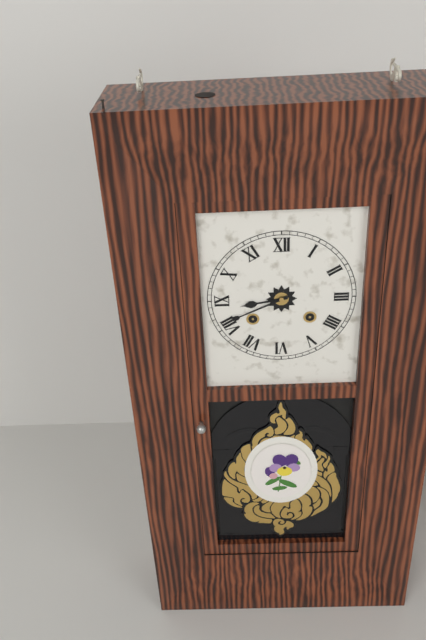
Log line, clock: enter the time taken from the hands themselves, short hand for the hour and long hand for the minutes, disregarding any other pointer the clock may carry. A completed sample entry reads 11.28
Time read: 8.41
